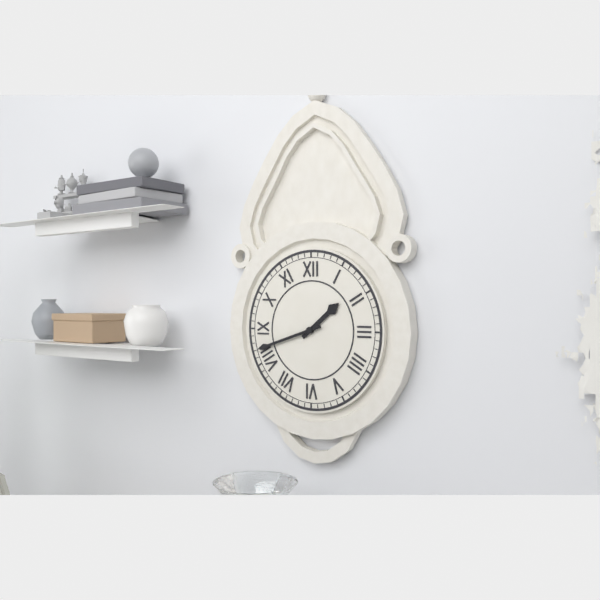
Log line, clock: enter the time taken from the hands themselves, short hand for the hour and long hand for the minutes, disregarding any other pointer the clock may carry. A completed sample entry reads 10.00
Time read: 1.42
